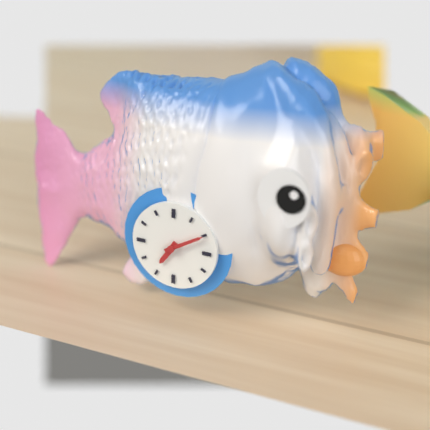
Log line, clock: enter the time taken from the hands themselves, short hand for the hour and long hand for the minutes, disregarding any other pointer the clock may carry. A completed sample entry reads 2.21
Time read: 7.10
